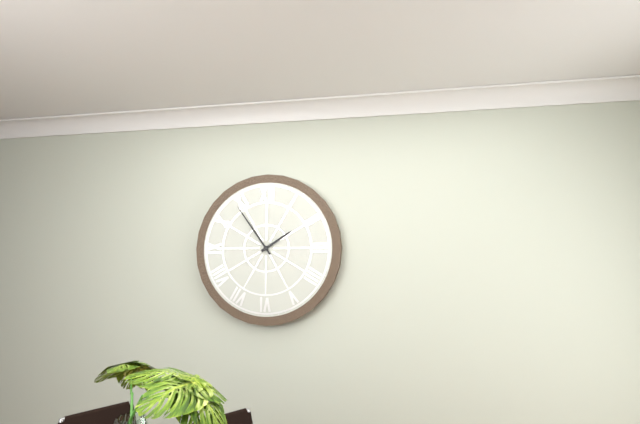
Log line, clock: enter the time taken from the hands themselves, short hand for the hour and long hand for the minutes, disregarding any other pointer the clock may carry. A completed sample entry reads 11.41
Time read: 1.54
